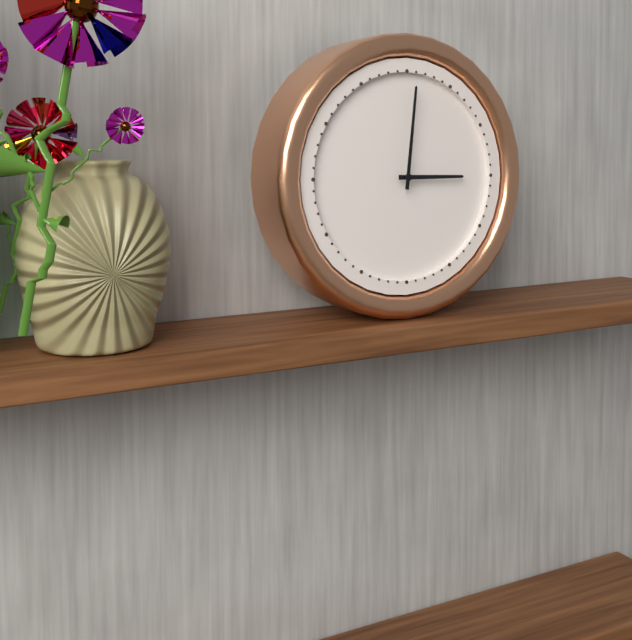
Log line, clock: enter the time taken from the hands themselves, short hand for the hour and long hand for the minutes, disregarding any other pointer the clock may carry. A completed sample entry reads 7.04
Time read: 3.01
